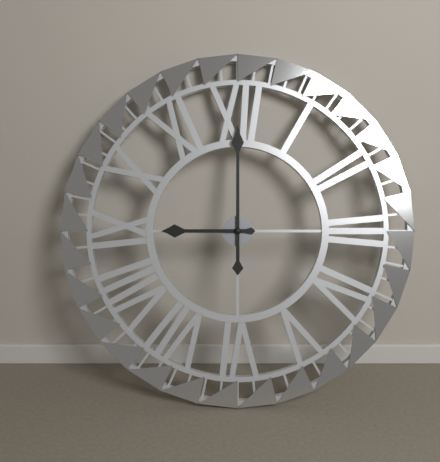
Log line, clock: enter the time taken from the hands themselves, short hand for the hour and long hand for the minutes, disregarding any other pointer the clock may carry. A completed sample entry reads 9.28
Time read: 9.00
